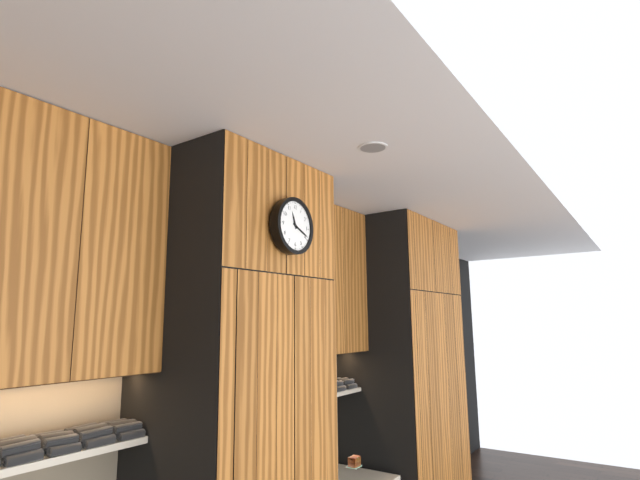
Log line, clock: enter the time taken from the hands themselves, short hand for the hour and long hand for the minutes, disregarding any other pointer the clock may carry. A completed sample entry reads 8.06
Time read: 11.19
